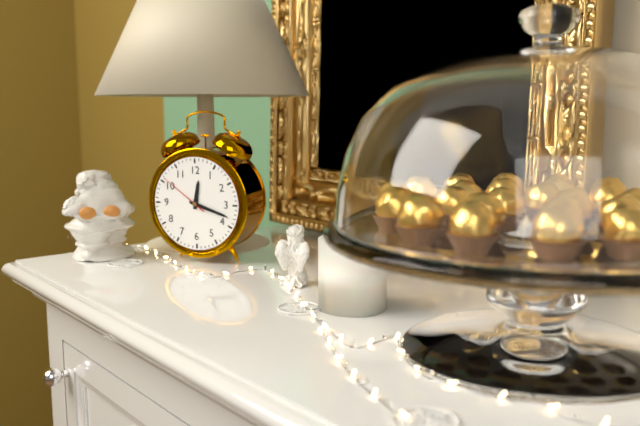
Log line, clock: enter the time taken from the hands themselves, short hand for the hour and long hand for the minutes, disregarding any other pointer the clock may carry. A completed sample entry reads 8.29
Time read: 12.18
